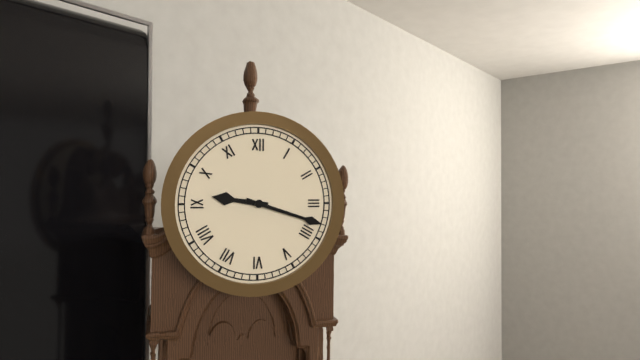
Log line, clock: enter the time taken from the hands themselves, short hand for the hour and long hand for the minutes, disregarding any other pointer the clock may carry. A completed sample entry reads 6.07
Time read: 9.18
